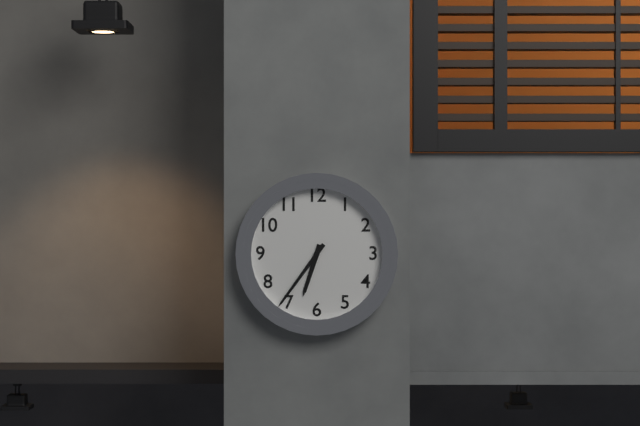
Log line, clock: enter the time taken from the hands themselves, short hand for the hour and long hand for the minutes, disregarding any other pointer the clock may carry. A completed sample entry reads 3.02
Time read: 6.36
